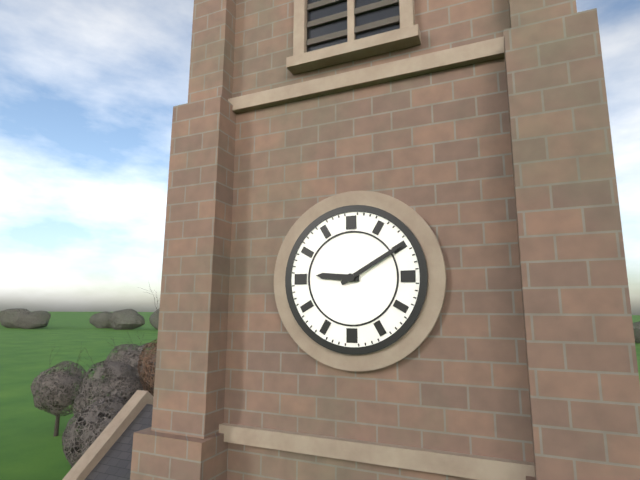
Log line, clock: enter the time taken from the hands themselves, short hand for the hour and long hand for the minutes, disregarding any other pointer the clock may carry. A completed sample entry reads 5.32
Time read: 9.10
